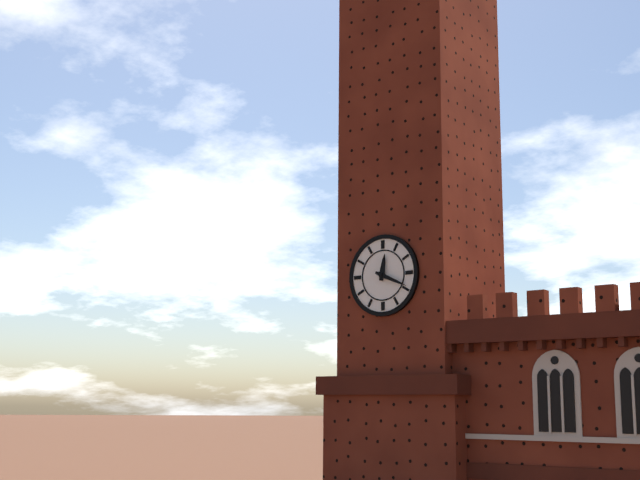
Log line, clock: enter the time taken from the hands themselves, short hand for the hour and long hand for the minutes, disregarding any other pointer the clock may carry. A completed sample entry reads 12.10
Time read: 12.19
